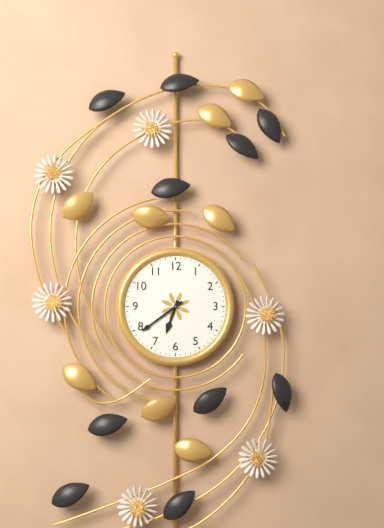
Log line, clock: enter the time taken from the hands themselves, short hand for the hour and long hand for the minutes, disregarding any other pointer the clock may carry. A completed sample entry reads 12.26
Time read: 6.39
